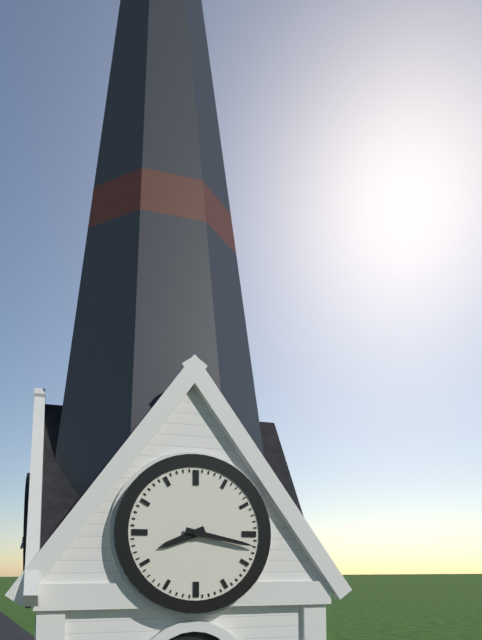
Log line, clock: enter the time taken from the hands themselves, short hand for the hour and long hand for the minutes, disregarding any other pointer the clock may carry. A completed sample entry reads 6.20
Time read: 8.17
